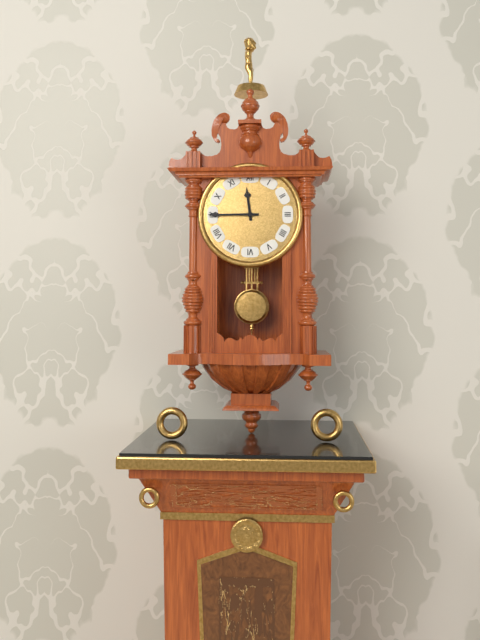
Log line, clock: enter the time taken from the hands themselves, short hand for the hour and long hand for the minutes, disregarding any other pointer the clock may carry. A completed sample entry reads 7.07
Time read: 11.45
